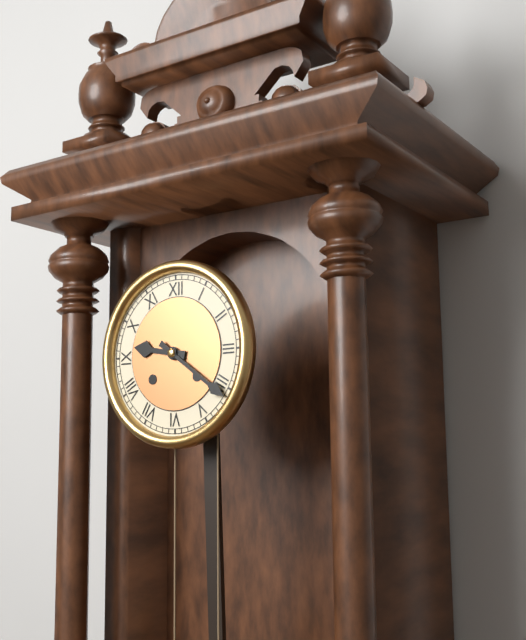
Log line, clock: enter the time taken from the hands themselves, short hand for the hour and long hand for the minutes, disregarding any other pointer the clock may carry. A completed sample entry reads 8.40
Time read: 9.21
